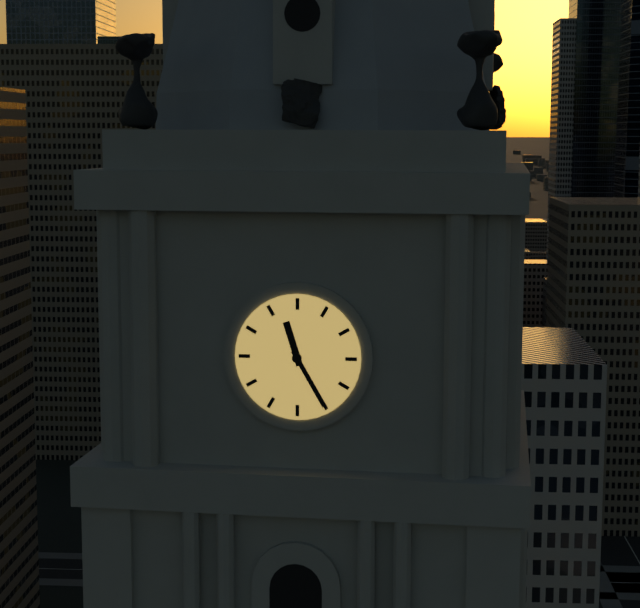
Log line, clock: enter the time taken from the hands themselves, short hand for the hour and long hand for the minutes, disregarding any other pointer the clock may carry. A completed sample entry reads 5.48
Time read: 11.25
